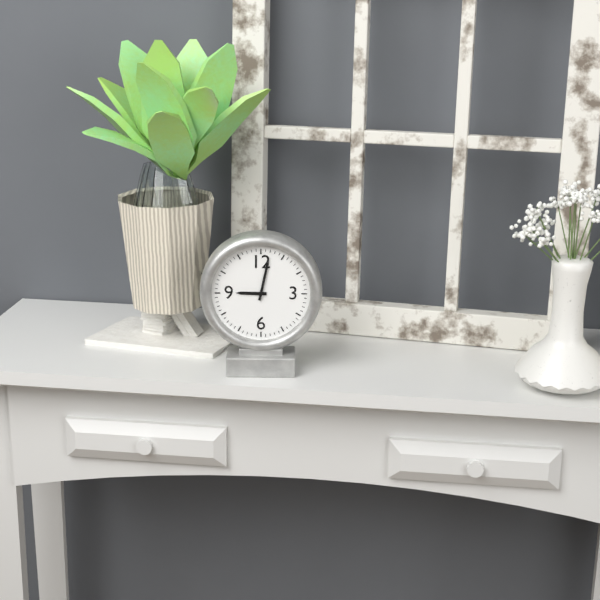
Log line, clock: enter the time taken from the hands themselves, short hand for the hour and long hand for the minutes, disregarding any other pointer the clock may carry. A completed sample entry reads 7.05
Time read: 9.02
